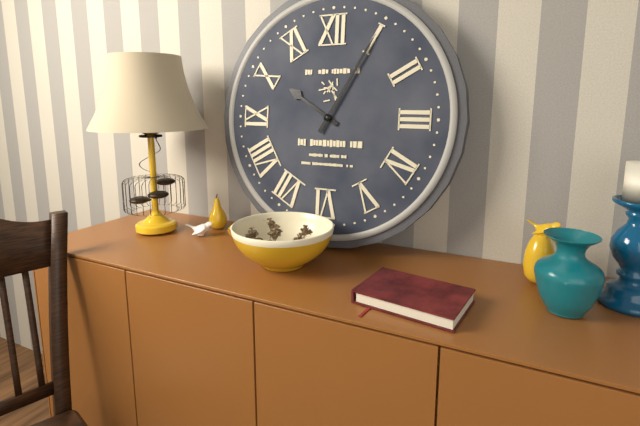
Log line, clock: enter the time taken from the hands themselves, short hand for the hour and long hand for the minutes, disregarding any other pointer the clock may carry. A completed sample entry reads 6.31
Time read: 10.05
